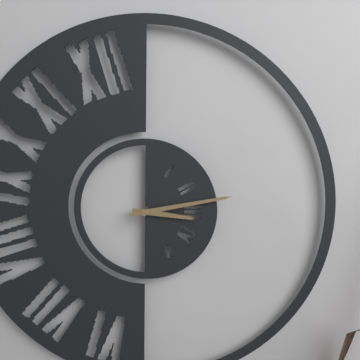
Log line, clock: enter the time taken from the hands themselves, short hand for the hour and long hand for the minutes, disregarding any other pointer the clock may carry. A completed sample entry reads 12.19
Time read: 3.13
